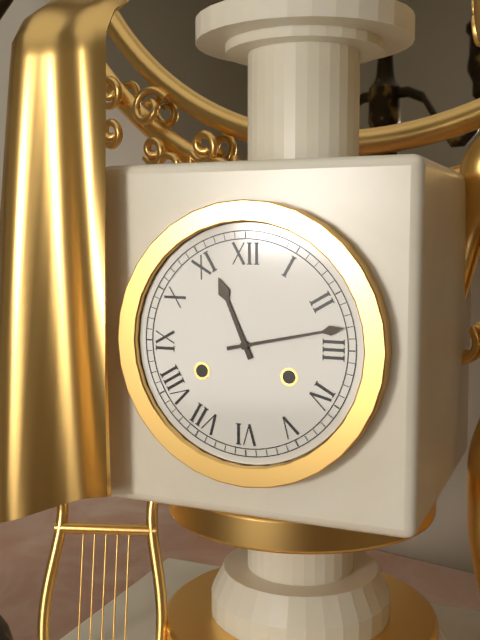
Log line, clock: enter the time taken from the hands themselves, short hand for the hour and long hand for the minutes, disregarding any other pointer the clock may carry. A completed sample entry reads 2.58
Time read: 11.13
